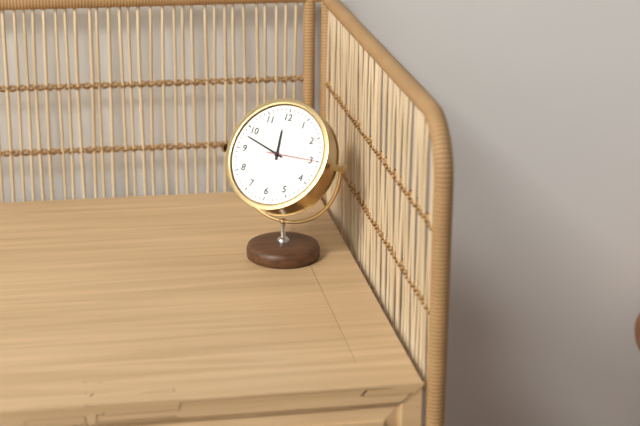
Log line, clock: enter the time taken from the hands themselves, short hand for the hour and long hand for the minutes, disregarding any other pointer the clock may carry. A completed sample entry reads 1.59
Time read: 11.48
